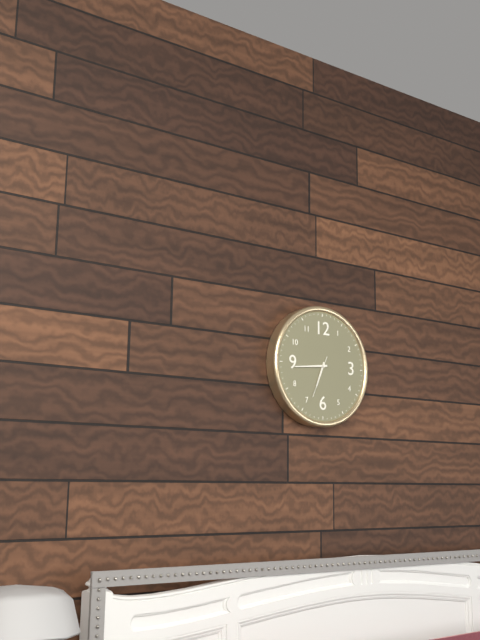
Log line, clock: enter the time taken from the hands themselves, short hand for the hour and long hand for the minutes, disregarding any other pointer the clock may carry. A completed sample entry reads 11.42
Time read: 6.44
